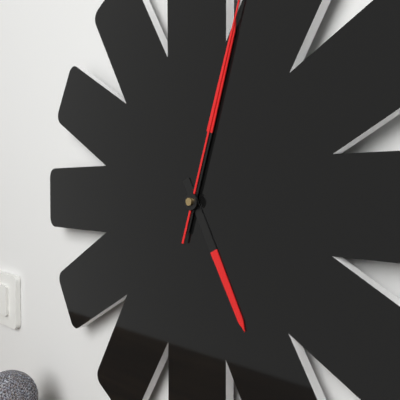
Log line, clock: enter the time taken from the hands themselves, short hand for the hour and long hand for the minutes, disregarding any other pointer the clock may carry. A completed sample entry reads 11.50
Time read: 5.03
